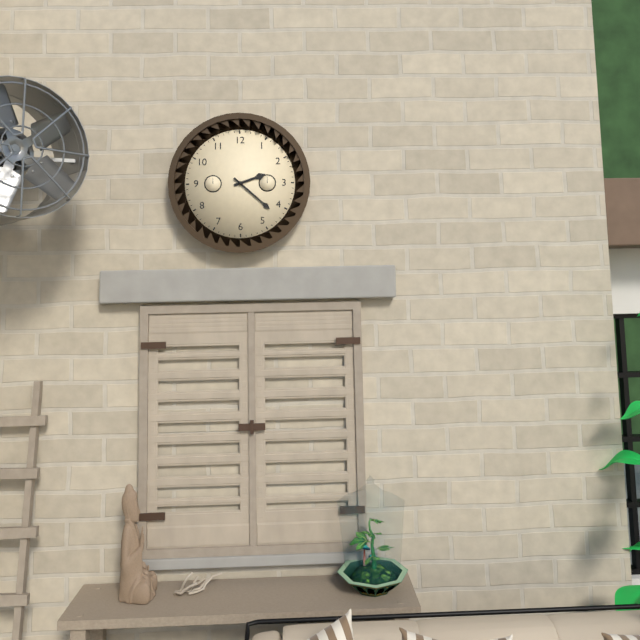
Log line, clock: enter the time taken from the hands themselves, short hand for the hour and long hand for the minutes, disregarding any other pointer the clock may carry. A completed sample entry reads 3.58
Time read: 2.22
